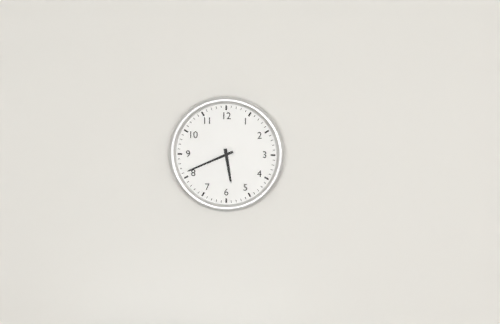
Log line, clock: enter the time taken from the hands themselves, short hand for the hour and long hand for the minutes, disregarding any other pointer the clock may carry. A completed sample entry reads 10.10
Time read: 5.41
